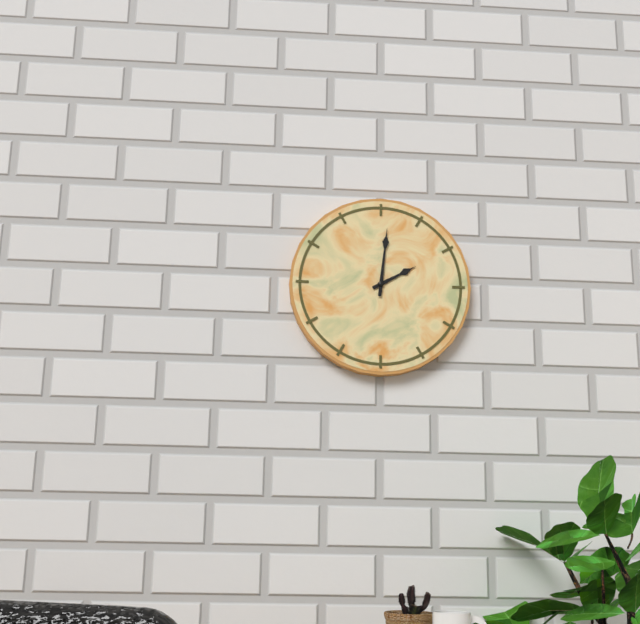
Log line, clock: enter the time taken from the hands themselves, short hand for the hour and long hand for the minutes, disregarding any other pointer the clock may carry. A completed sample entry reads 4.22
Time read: 2.01
